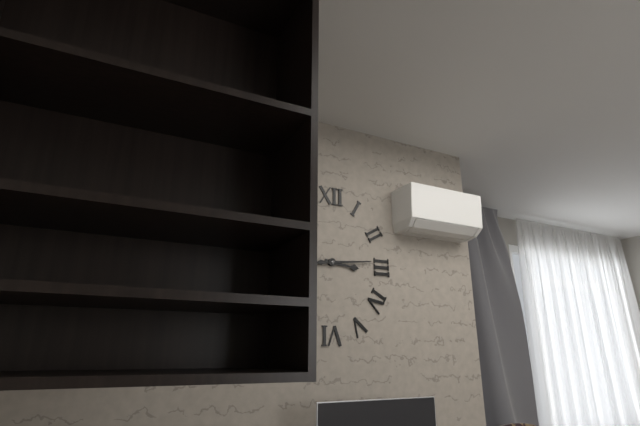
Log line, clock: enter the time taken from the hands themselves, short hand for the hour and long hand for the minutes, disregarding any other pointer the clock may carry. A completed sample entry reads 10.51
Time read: 3.14
